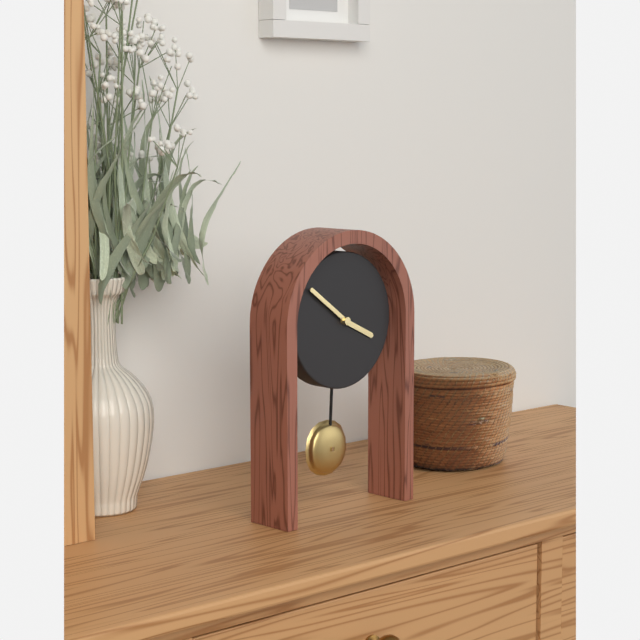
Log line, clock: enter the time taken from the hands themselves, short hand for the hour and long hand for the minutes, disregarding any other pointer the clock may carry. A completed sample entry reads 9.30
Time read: 3.51
